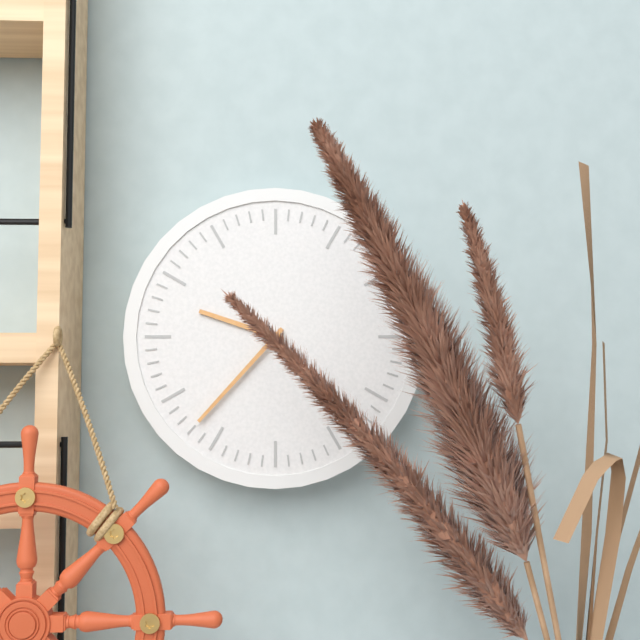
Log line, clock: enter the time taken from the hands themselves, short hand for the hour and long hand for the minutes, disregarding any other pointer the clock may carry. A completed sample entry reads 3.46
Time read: 9.37
